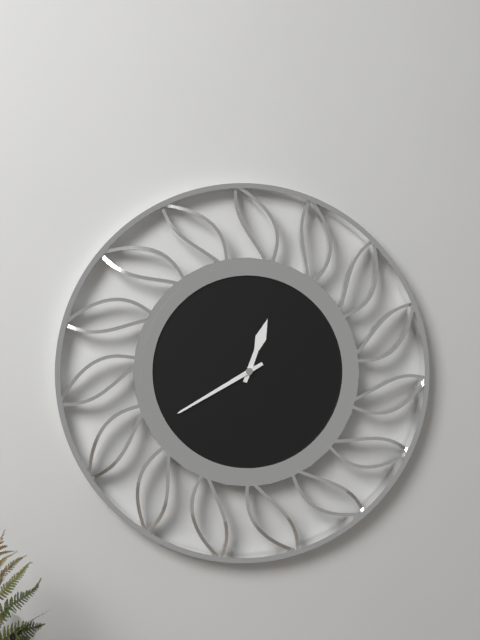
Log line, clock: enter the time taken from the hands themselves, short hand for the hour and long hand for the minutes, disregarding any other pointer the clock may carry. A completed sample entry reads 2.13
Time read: 12.40
